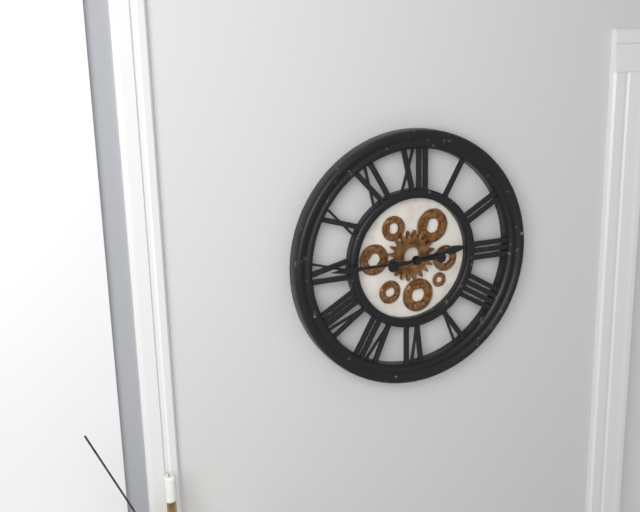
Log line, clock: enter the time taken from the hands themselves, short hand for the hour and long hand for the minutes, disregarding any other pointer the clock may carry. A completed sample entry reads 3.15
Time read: 2.45
